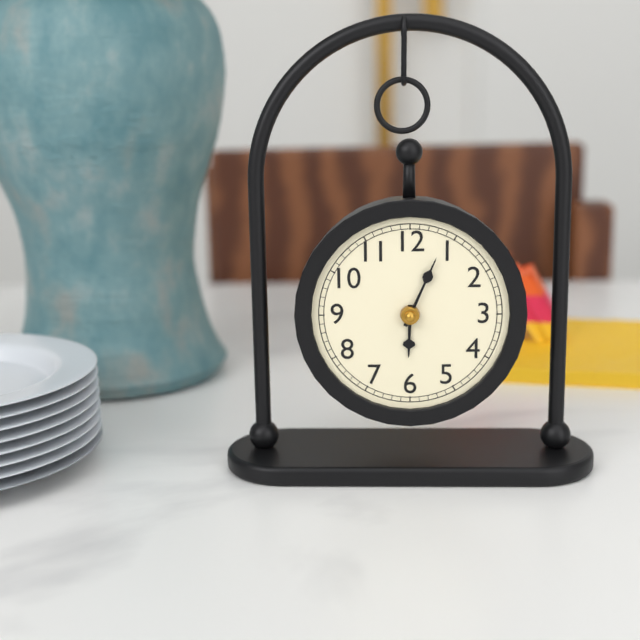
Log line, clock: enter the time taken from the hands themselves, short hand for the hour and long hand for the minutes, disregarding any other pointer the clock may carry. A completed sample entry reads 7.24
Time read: 6.04
